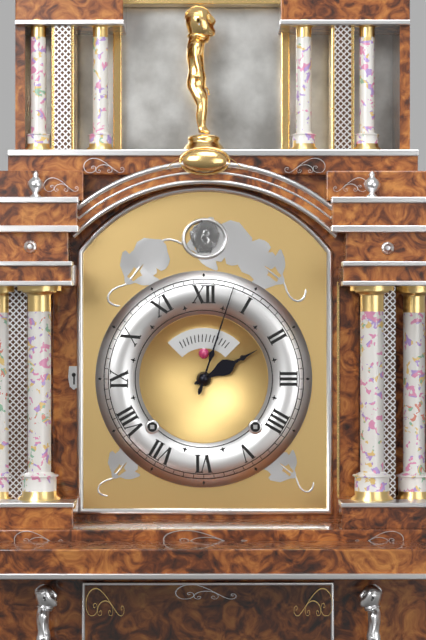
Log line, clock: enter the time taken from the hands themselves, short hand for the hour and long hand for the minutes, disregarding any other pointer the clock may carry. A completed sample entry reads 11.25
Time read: 2.03
